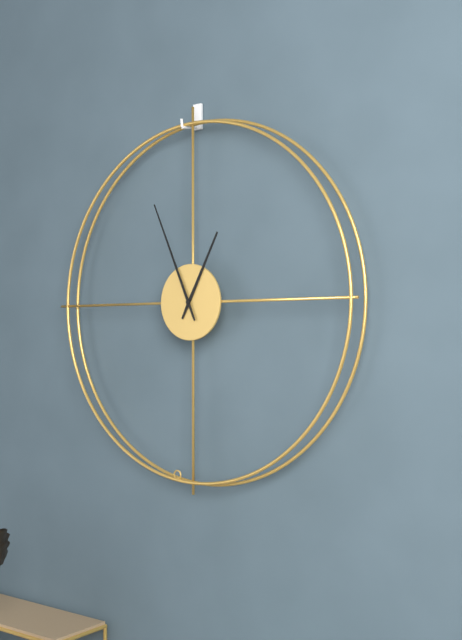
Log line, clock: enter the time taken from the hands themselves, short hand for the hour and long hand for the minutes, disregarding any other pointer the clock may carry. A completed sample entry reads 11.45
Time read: 12.56
